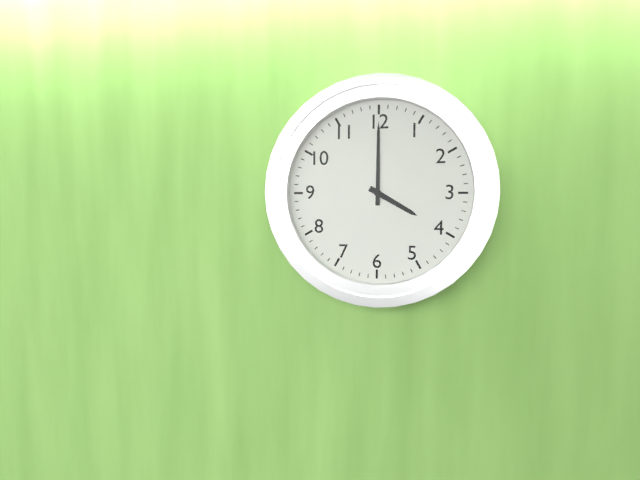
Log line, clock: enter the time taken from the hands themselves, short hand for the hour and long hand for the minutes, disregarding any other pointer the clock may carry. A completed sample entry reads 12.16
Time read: 4.00
